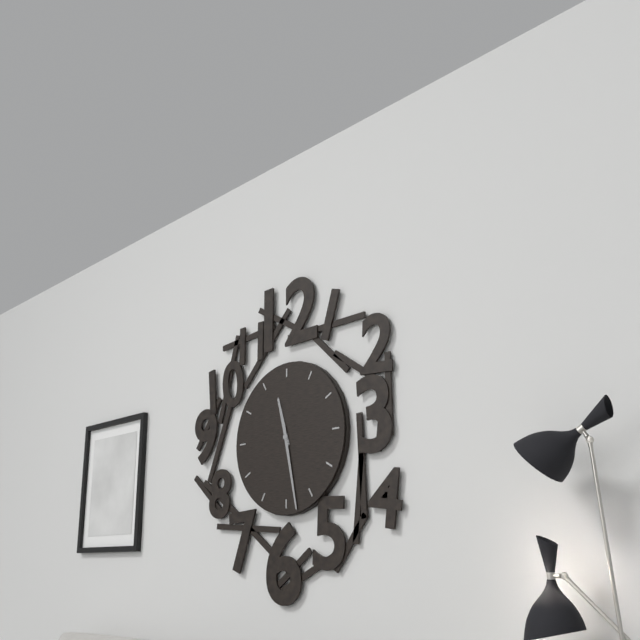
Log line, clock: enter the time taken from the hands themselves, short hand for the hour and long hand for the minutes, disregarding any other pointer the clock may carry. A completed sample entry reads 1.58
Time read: 11.28
